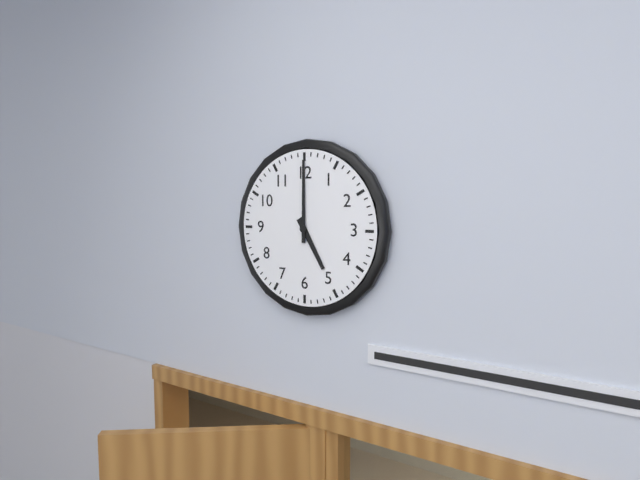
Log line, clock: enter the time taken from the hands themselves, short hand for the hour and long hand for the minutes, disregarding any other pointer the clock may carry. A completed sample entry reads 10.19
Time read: 5.00
